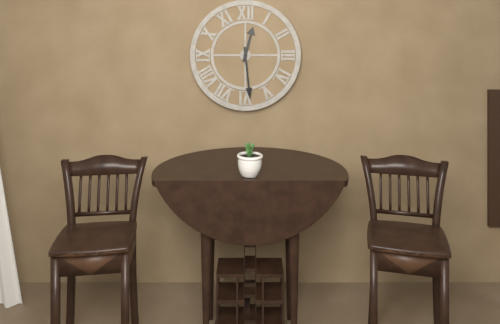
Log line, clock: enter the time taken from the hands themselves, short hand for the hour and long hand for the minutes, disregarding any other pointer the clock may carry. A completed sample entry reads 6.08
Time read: 12.29
